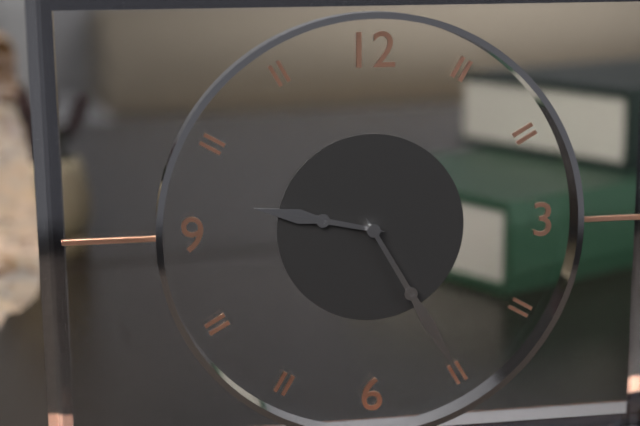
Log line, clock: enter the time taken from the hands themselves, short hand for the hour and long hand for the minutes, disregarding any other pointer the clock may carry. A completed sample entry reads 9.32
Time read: 9.25
